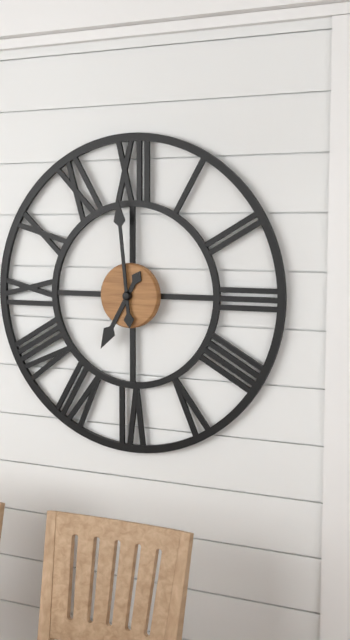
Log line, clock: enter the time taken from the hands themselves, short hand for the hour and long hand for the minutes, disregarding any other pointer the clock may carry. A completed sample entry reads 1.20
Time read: 6.59
